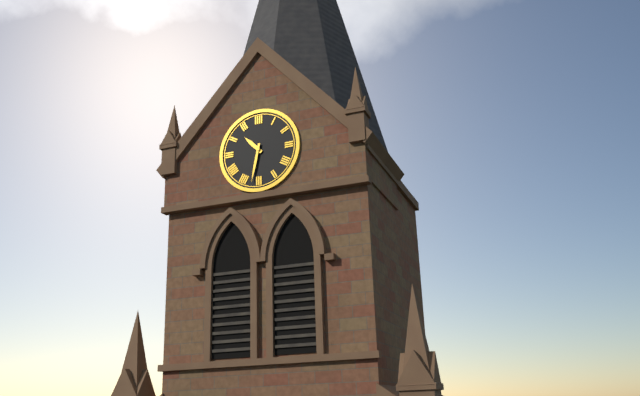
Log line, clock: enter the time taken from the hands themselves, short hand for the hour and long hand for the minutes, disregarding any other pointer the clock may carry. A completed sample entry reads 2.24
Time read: 10.32
